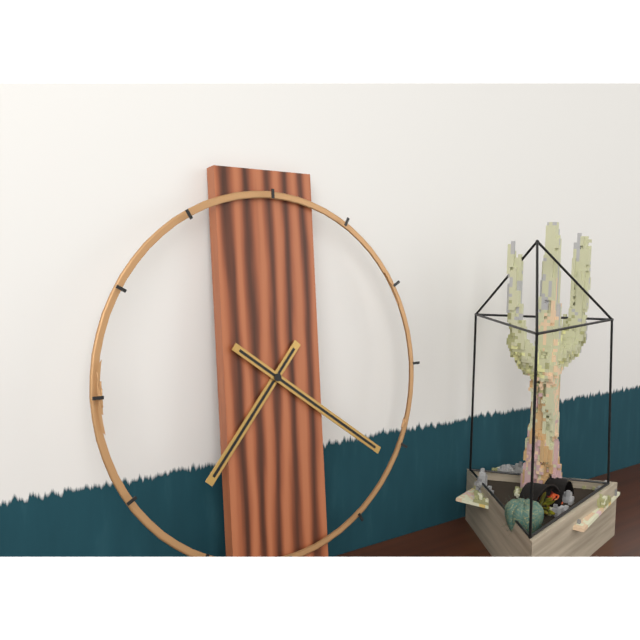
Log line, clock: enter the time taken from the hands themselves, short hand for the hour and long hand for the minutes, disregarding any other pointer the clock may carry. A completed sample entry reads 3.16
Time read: 7.21
